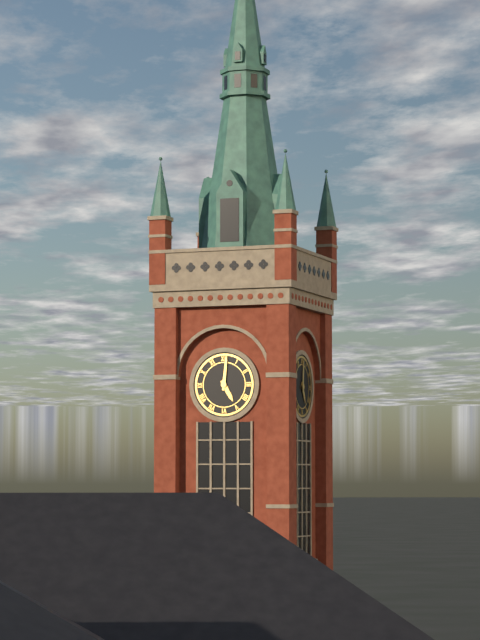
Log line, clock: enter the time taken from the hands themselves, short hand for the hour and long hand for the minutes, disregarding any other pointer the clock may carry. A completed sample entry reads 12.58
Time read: 5.01
